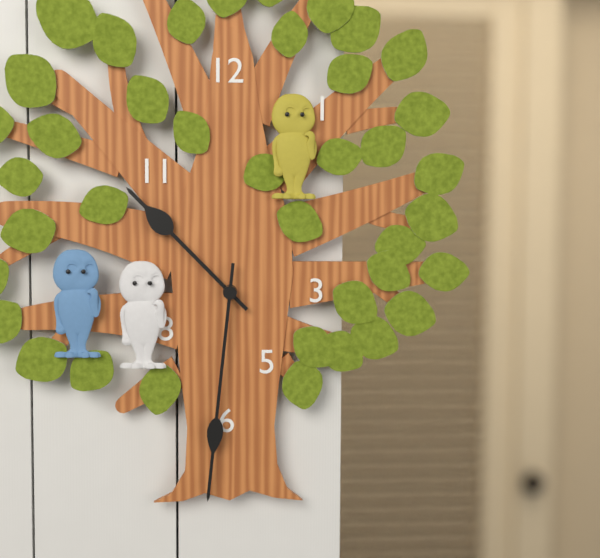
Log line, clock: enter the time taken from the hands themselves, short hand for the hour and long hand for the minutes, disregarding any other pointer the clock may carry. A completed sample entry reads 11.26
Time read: 10.31
